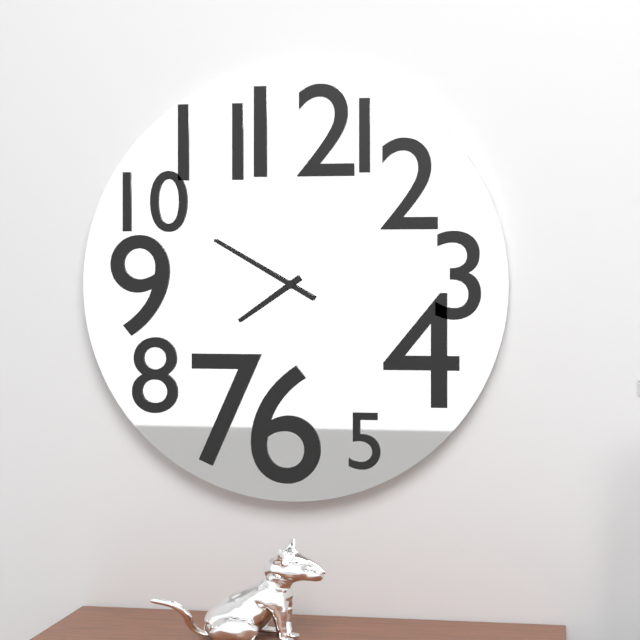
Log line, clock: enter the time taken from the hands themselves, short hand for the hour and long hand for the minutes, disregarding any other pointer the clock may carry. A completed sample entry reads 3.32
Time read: 7.50
